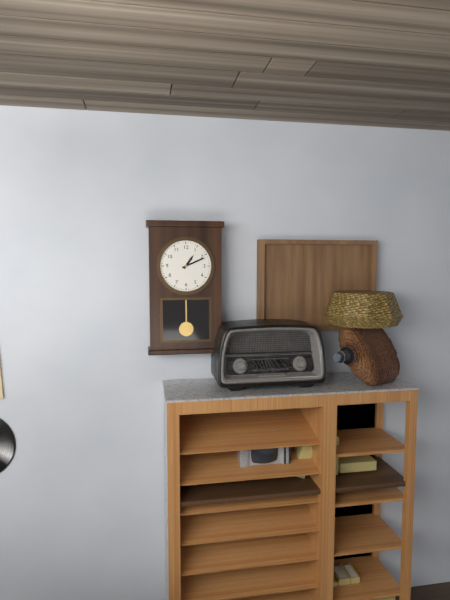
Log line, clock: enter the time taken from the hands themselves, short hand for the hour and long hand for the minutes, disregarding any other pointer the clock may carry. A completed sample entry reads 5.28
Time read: 1.11
